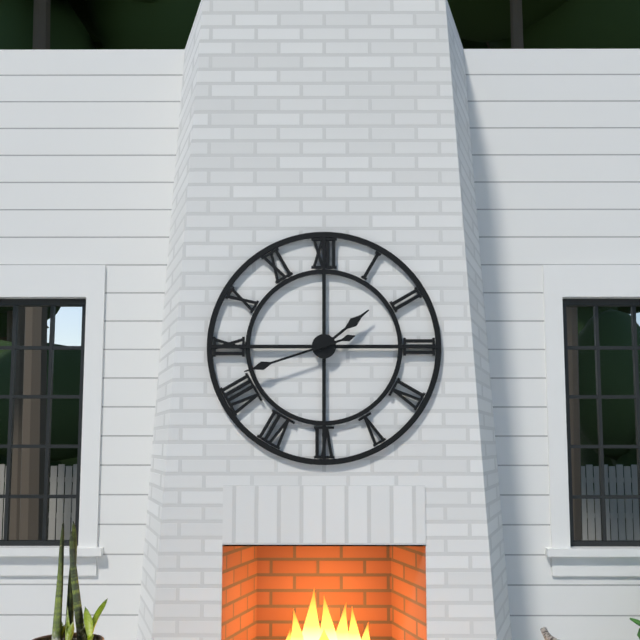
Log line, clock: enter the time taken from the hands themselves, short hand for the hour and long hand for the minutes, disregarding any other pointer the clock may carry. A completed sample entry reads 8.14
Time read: 1.42
